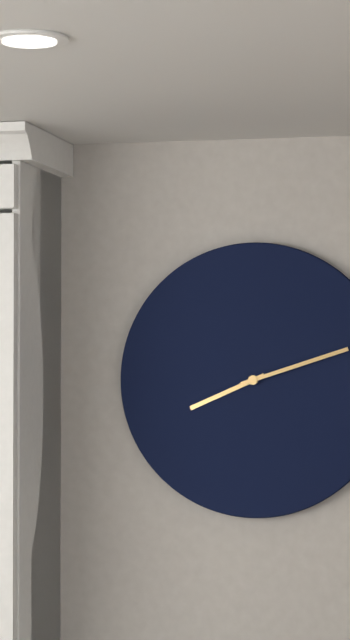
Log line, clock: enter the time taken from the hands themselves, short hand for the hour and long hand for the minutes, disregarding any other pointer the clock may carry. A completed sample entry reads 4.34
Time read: 8.12
